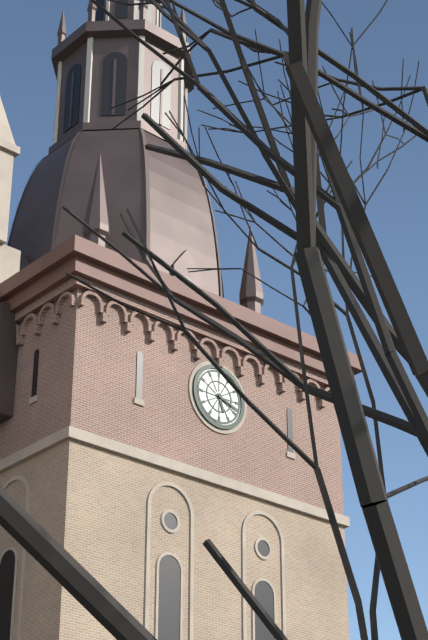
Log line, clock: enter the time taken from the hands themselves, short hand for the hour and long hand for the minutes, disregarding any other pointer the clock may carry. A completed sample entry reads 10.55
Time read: 5.18
